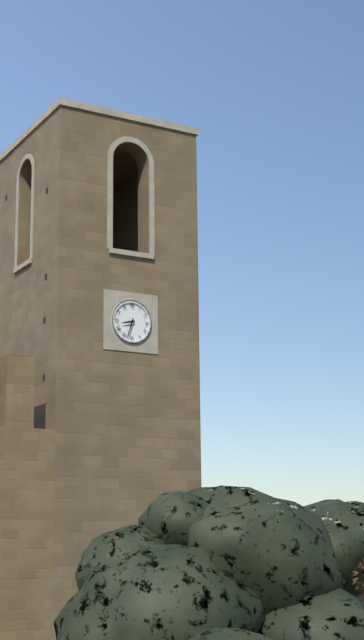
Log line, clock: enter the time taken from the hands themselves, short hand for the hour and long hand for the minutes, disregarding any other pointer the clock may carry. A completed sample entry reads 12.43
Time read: 8.33
